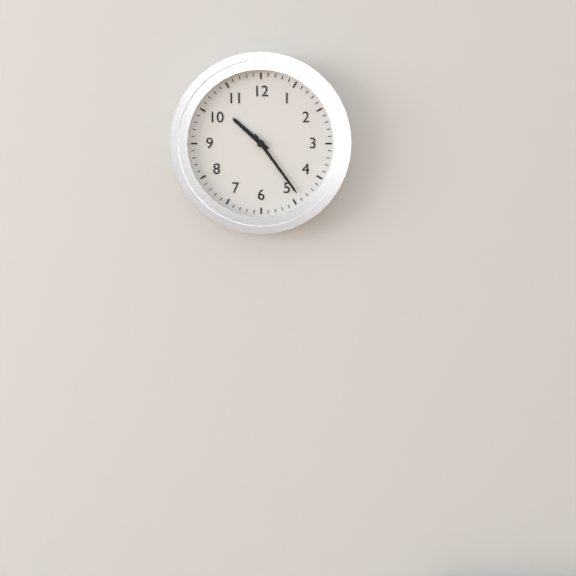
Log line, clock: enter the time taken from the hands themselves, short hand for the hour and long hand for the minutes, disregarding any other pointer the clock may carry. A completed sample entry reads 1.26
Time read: 10.24
